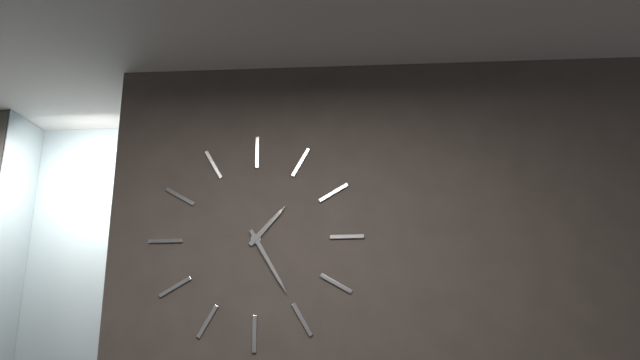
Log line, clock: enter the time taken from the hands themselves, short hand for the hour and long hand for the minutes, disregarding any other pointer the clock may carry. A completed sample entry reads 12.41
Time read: 1.25
